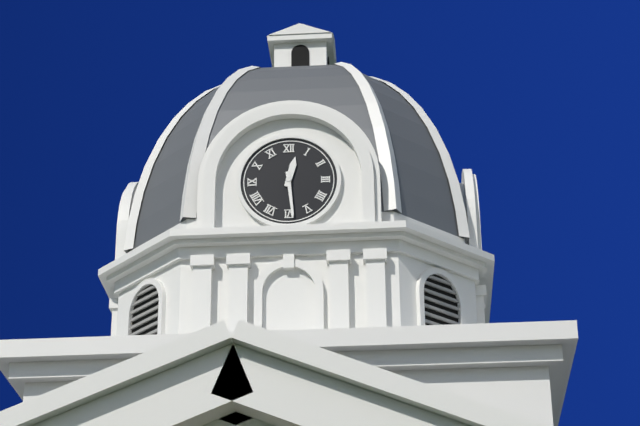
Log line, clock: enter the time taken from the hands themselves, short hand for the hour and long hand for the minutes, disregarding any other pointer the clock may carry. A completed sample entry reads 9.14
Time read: 12.29
